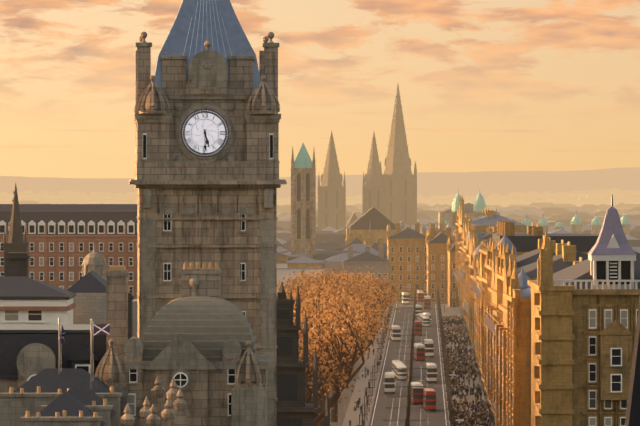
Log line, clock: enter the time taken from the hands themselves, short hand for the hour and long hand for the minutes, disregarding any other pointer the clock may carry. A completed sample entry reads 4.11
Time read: 5.30
